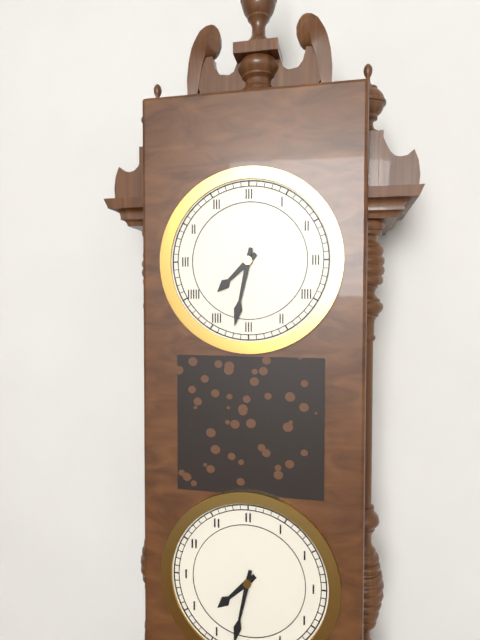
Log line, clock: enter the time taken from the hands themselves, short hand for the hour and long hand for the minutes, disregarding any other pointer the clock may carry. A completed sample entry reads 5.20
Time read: 7.32
